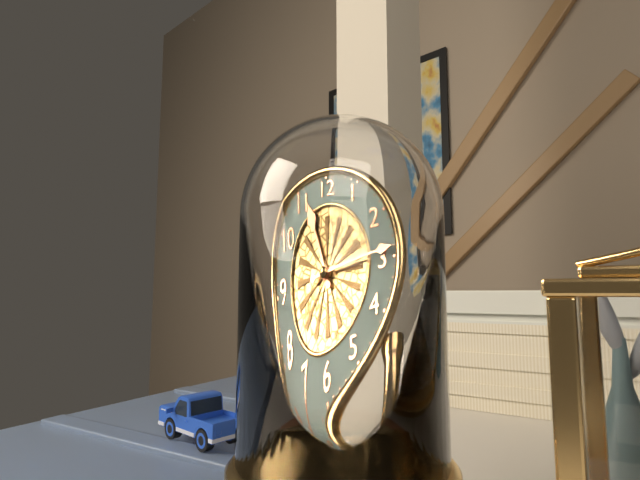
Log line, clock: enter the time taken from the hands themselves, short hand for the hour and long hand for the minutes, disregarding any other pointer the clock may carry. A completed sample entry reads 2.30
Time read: 11.14
